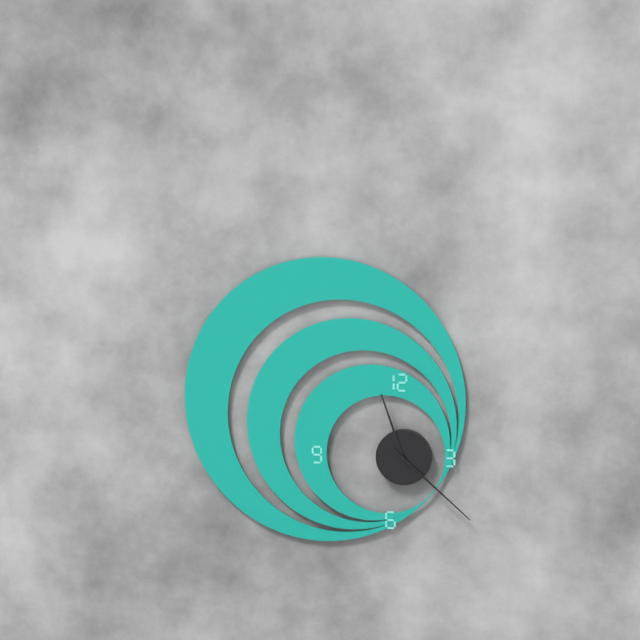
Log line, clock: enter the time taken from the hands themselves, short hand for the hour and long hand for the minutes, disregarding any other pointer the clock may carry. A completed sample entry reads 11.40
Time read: 11.22
